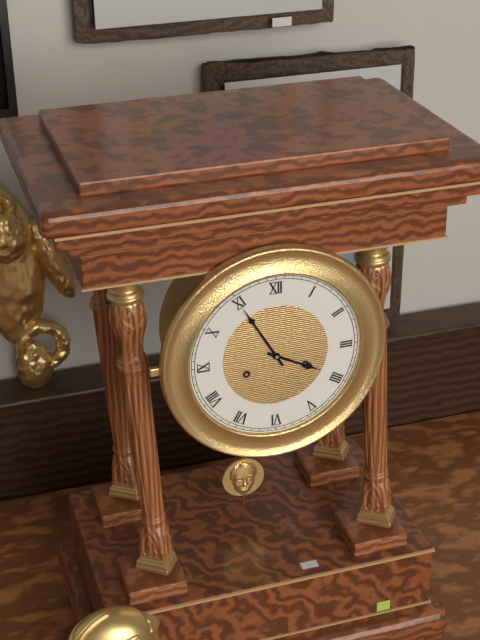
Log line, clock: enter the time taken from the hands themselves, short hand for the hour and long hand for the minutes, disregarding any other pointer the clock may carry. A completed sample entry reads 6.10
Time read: 3.55
